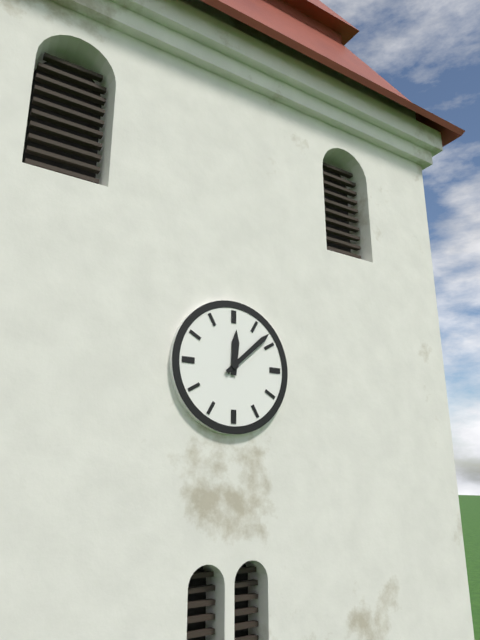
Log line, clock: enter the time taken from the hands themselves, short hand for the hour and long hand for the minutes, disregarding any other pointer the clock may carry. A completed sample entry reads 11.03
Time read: 12.08
